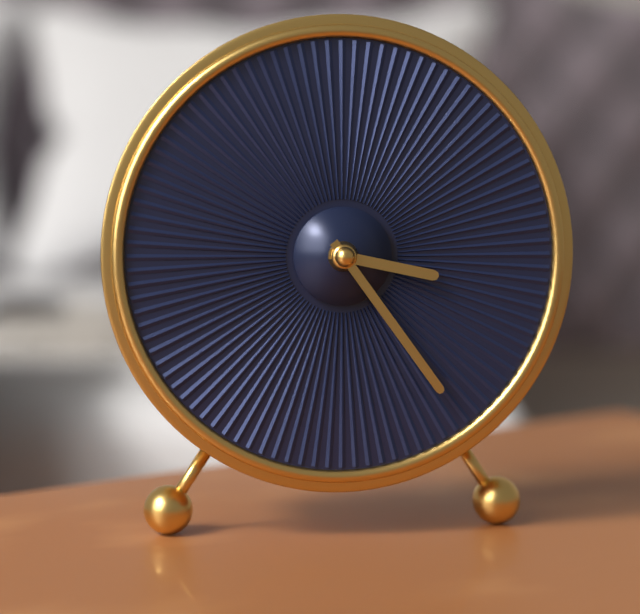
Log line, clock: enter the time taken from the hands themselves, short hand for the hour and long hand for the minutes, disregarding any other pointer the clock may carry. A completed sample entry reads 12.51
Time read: 3.24
